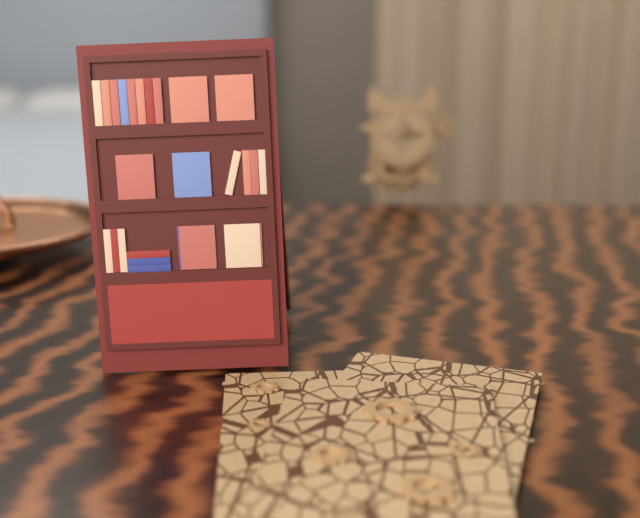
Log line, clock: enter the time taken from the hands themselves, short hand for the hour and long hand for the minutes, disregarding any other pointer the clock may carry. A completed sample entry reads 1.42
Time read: 1.13
